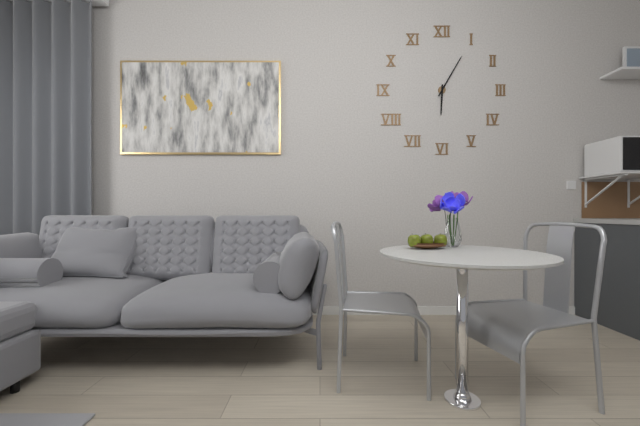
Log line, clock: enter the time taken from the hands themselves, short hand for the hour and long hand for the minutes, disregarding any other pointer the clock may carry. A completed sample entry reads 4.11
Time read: 6.05
